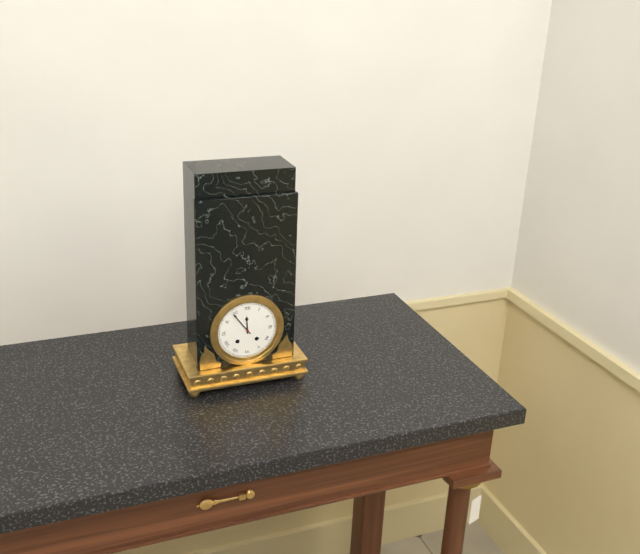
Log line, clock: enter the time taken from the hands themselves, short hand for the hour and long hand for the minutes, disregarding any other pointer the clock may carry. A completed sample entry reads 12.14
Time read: 11.54
